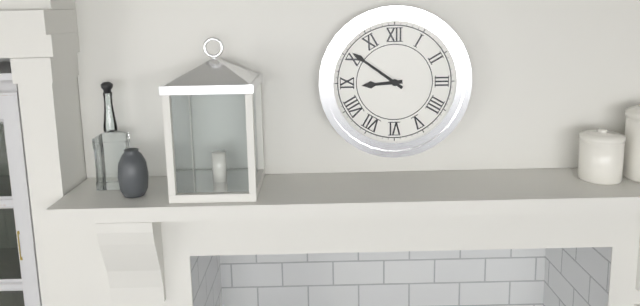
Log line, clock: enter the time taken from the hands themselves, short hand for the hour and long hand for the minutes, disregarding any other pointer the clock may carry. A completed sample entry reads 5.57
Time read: 8.51
